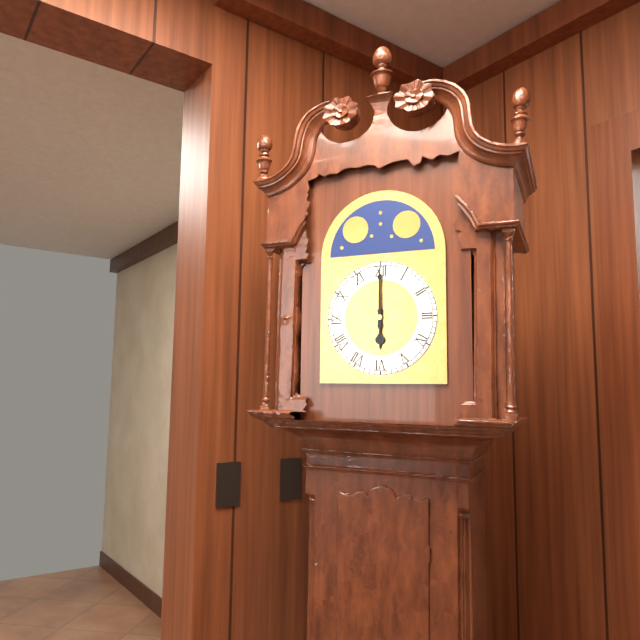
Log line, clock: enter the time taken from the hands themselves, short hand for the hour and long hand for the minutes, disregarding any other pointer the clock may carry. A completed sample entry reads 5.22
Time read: 6.00
